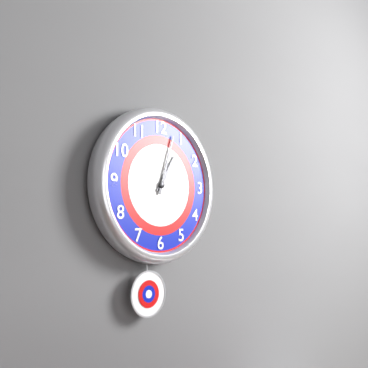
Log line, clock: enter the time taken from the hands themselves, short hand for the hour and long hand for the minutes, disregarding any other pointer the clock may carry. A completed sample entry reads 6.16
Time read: 1.03
